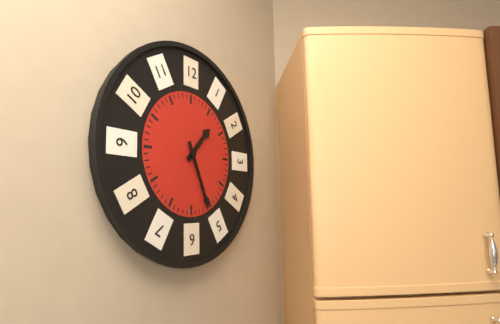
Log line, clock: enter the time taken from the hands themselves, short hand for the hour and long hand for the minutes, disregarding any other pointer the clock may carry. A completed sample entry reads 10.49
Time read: 1.26
